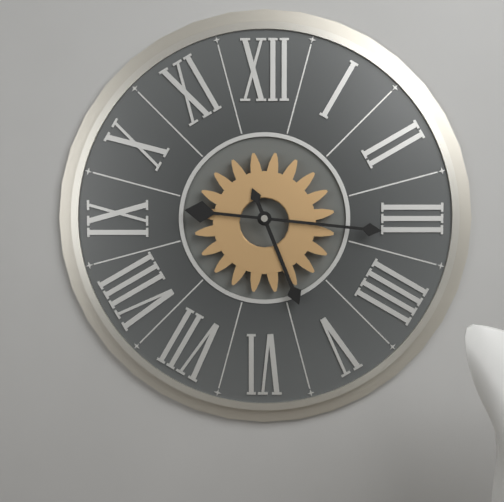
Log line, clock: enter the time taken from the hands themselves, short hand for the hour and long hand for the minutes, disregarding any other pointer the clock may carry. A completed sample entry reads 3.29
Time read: 5.16
